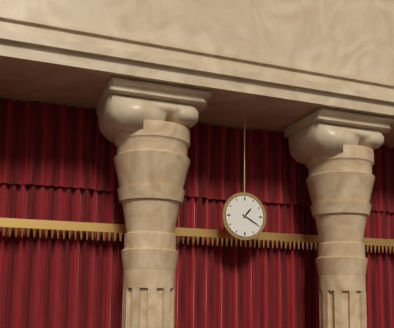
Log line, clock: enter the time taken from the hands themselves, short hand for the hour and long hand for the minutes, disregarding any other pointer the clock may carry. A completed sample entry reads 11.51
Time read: 1.20
